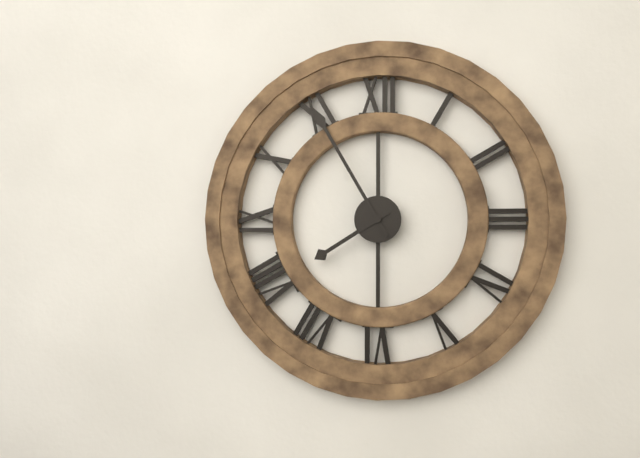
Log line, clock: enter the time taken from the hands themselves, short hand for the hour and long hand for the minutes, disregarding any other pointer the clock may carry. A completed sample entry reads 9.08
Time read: 7.55
